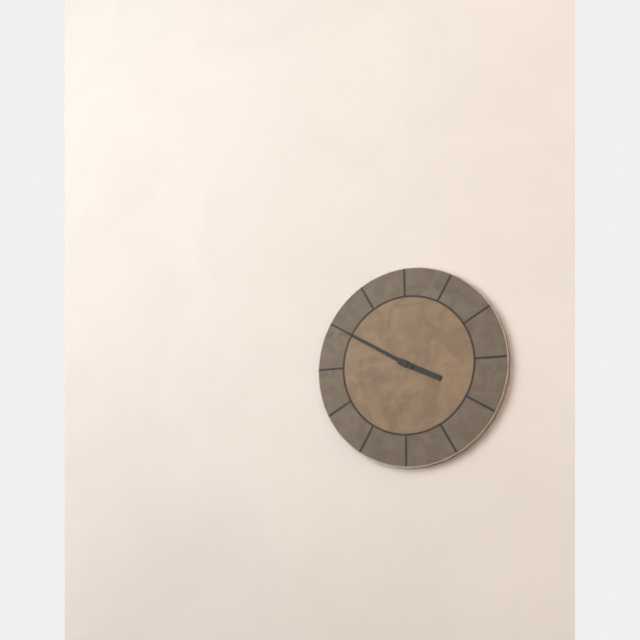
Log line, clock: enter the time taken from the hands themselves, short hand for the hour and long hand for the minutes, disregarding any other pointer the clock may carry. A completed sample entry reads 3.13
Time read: 3.50
